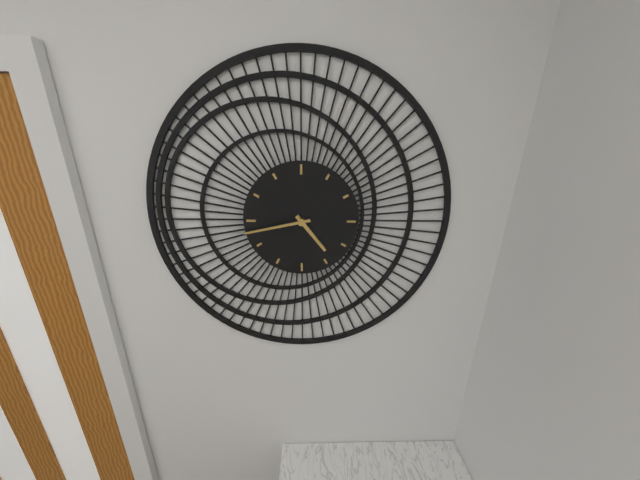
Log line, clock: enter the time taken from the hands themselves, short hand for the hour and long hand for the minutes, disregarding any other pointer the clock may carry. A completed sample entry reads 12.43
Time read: 4.43
